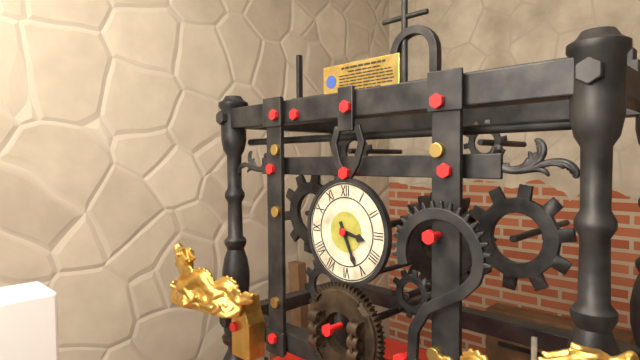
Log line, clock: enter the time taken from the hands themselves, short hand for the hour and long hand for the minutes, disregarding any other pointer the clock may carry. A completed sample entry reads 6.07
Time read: 3.26
